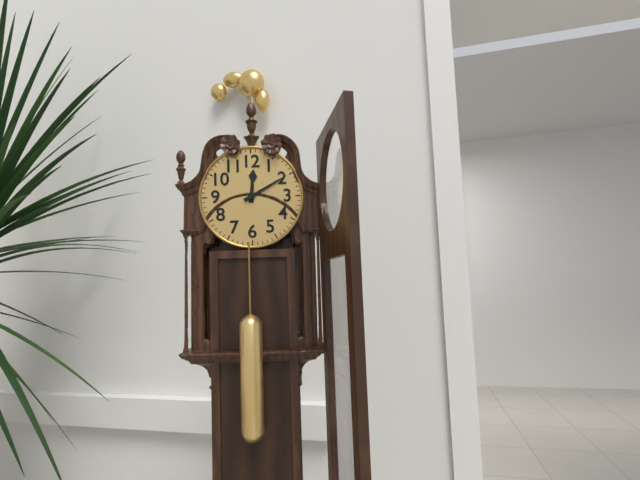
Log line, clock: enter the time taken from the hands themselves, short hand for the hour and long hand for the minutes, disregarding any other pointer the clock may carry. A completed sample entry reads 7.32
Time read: 12.10
